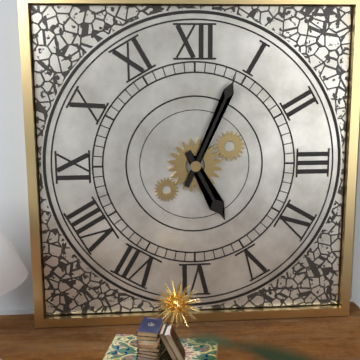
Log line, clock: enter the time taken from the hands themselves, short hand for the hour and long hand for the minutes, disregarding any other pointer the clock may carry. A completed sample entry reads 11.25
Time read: 5.04
